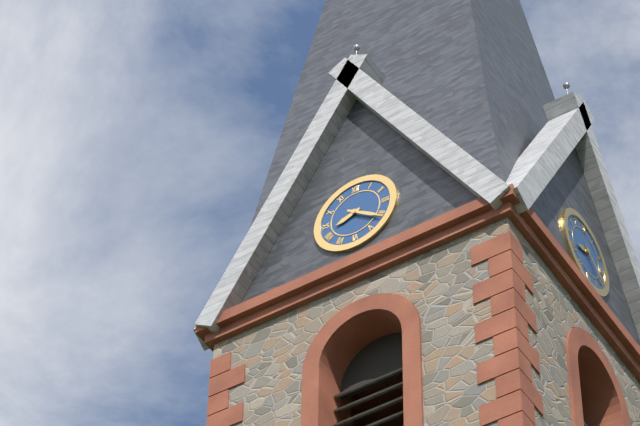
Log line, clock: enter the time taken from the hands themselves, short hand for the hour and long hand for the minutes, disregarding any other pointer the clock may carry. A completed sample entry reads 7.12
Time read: 8.21
